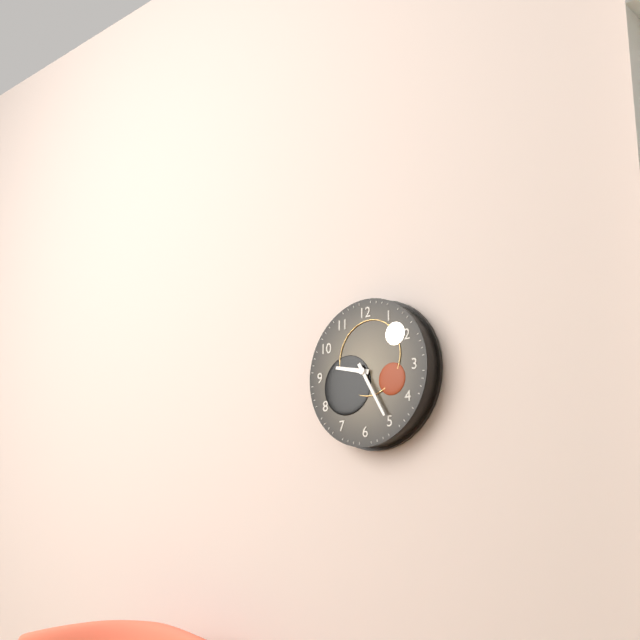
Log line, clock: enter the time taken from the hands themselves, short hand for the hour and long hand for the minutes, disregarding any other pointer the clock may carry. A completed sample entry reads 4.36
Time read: 9.25
